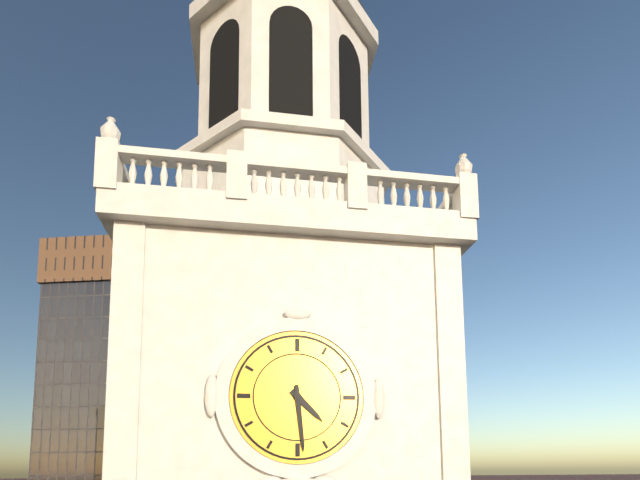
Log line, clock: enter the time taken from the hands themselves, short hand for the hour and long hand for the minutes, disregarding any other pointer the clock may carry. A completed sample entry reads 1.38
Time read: 4.29
